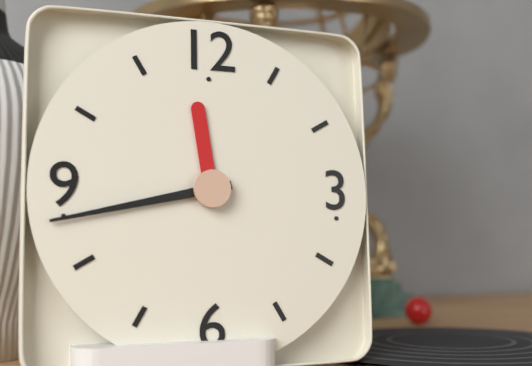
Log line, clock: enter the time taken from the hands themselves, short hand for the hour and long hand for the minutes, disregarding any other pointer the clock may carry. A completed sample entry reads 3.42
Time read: 11.43
